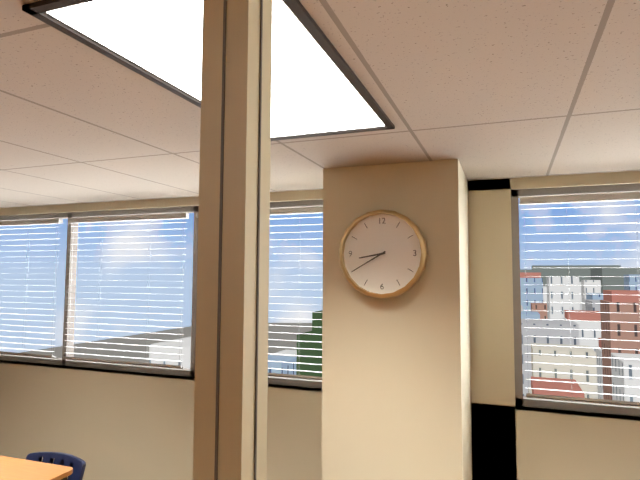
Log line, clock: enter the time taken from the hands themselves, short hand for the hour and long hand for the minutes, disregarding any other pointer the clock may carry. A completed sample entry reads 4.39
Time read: 8.40
